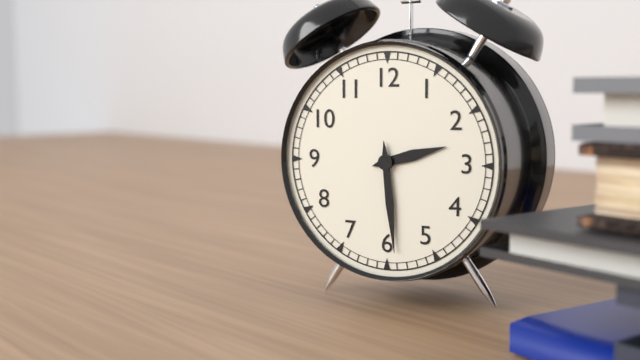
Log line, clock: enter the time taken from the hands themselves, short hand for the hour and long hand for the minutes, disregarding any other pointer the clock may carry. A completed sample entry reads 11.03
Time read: 2.29
